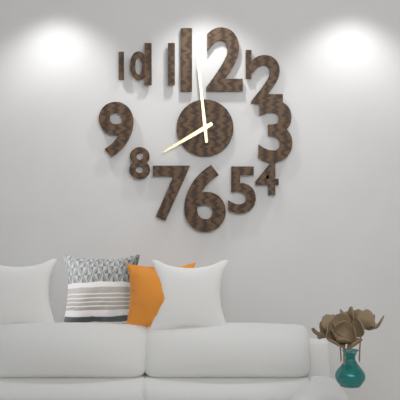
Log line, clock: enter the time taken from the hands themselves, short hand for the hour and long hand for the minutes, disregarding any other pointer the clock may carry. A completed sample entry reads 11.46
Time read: 7.59
